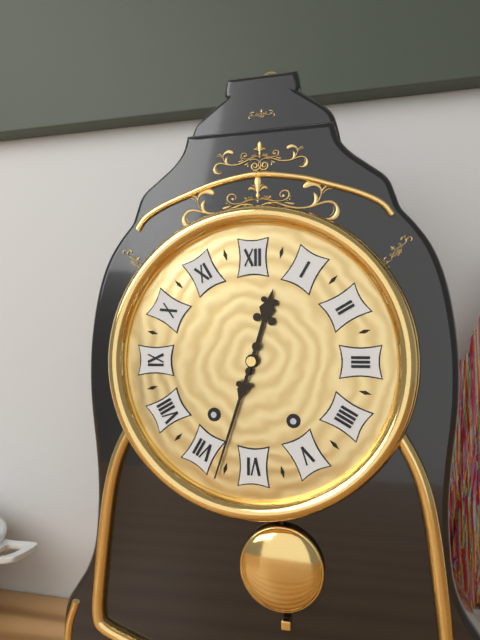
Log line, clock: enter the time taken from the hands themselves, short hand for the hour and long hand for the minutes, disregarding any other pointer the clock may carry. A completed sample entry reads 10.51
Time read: 12.33
